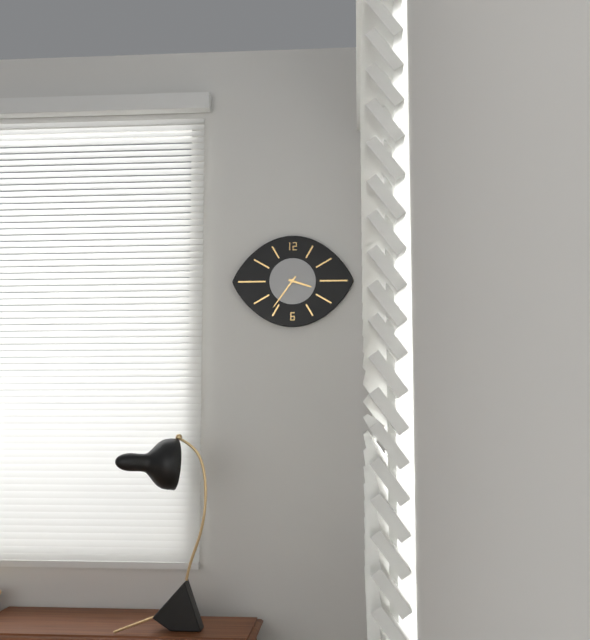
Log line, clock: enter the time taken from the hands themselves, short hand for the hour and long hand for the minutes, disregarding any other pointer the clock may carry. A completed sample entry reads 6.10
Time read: 3.36
